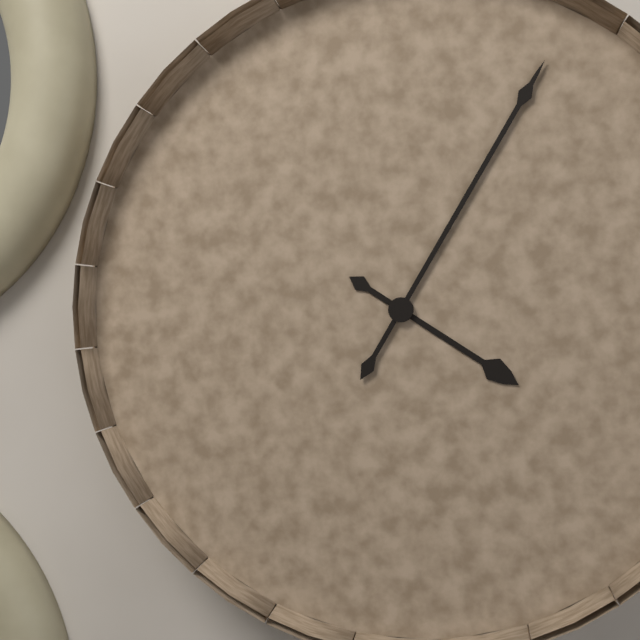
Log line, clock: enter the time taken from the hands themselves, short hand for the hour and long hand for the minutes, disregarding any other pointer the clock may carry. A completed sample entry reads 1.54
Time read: 4.05
